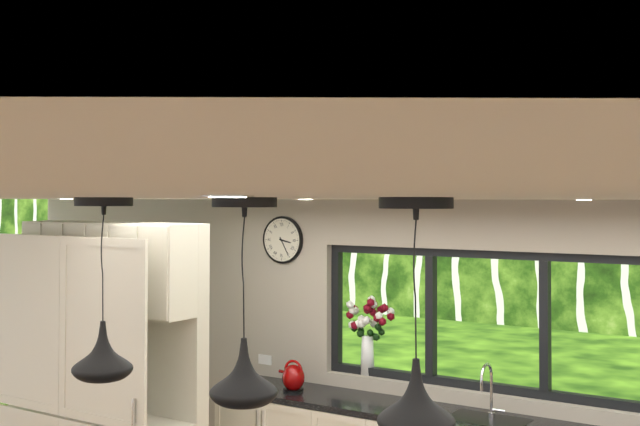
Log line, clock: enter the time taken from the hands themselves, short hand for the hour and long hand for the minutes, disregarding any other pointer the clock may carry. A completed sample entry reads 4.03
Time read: 3.25
